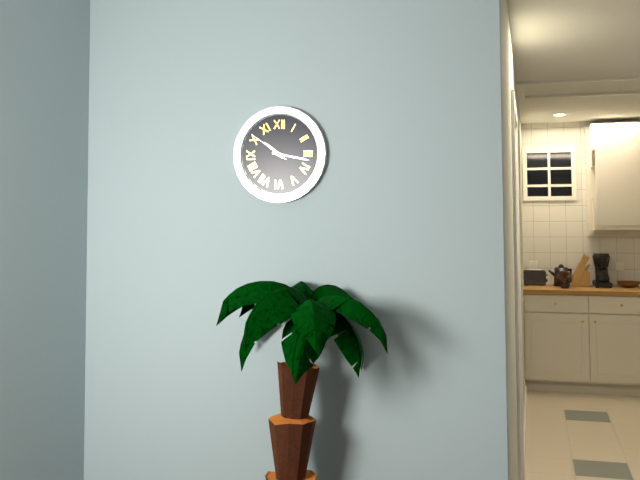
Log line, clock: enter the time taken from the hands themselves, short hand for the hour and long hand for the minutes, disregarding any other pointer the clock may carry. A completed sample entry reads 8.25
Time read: 10.17
